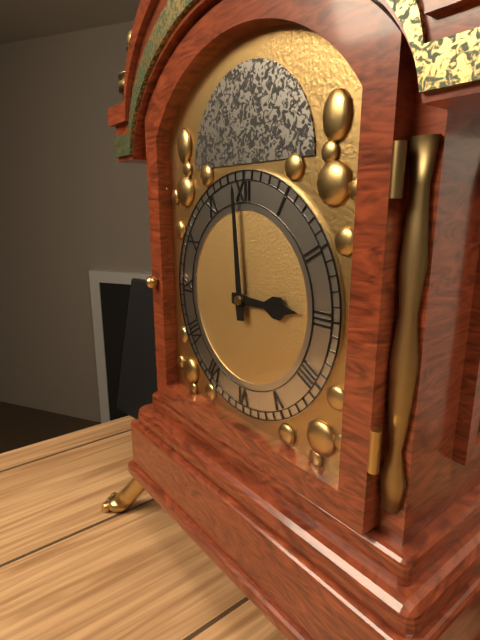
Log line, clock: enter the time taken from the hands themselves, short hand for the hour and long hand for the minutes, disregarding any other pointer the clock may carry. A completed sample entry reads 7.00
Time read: 2.59
